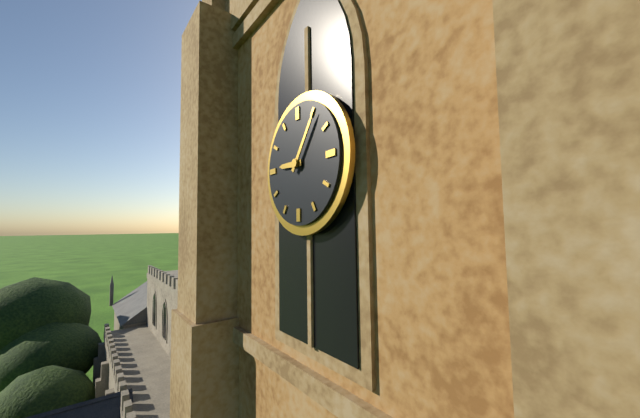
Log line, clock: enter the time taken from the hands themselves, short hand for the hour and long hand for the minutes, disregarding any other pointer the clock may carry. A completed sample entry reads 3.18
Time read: 9.06
